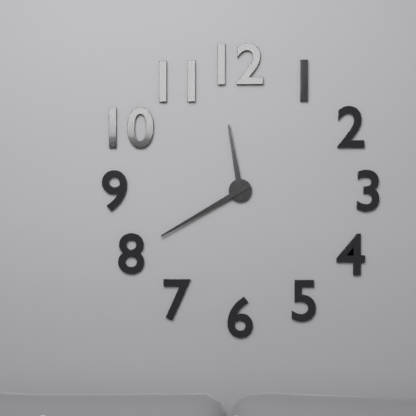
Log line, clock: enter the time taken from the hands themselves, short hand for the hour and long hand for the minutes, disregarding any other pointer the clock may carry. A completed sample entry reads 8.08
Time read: 11.40
